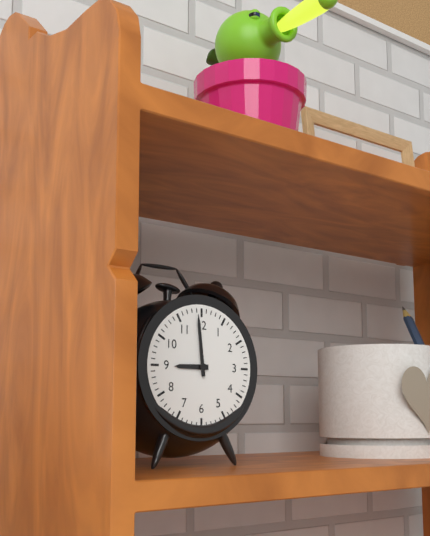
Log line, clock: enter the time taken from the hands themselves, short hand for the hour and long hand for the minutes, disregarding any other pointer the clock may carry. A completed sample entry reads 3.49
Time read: 8.59
